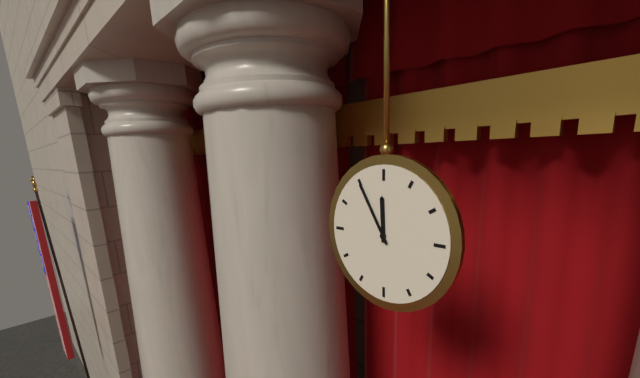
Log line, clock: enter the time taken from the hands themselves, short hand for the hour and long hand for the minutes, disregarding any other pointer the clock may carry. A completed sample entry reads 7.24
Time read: 11.55
